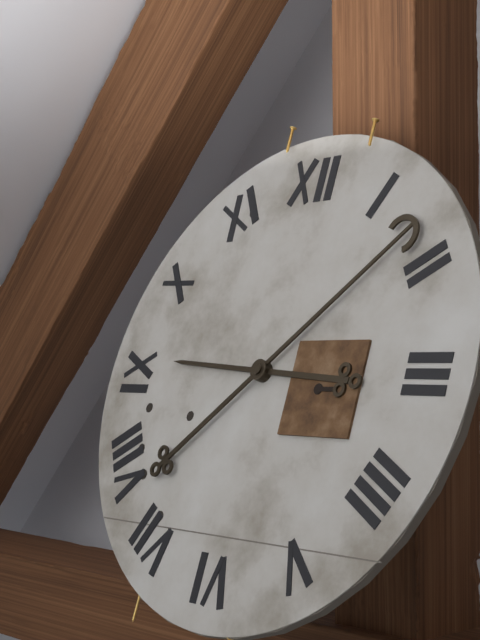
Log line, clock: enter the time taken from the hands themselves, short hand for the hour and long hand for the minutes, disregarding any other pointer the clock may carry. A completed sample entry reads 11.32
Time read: 9.08
